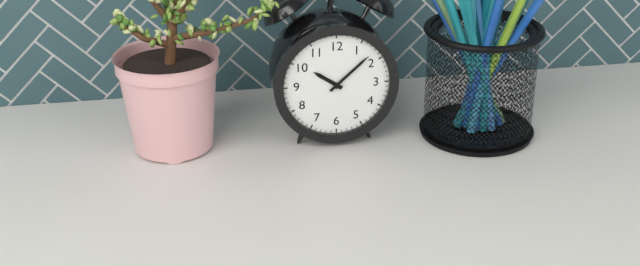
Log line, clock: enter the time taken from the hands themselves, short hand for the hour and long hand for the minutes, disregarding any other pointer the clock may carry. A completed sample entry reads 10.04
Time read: 10.08
